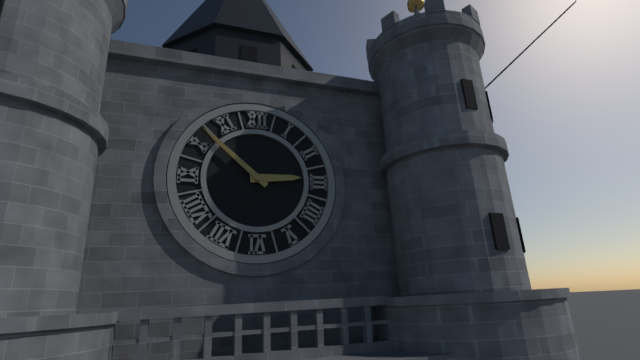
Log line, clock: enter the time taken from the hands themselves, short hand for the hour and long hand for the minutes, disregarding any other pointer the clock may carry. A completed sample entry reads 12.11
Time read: 2.52
